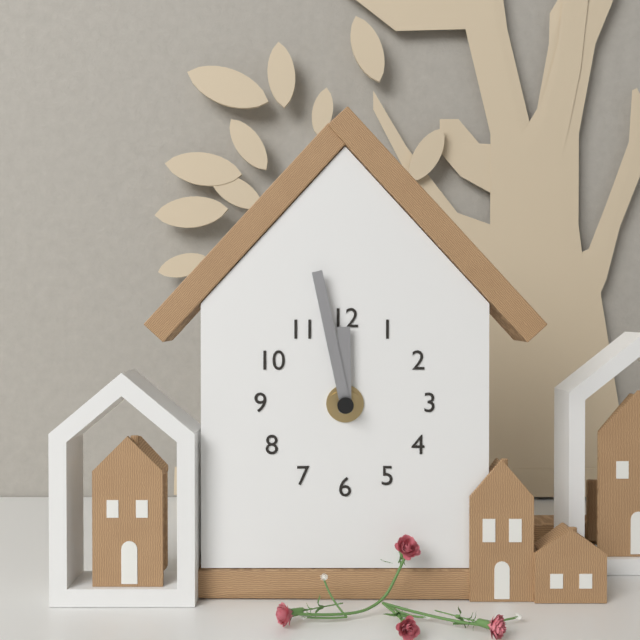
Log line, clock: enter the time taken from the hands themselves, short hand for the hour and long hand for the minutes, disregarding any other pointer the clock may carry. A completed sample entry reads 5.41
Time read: 11.58
